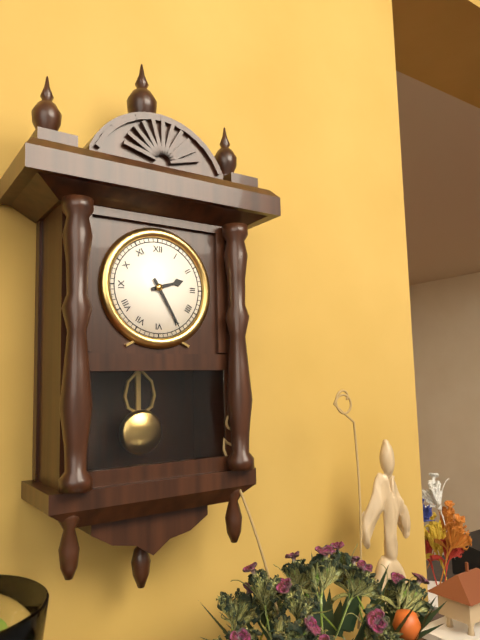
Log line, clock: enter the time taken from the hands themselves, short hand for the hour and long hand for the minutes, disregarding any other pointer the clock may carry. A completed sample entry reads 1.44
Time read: 2.25
